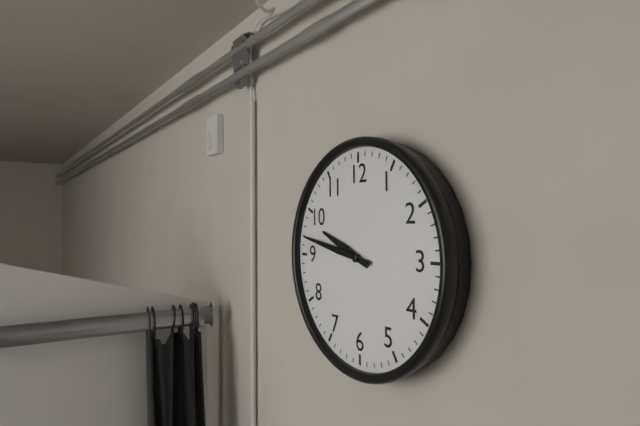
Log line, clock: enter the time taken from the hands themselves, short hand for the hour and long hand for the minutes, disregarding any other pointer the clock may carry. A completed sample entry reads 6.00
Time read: 9.47
